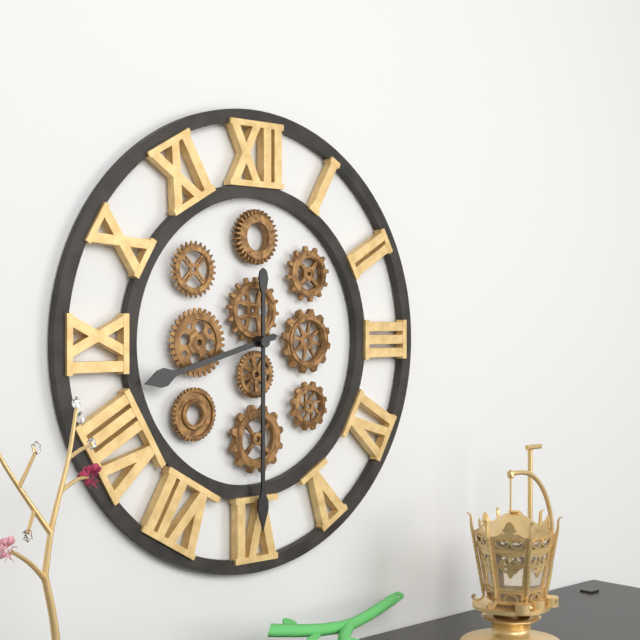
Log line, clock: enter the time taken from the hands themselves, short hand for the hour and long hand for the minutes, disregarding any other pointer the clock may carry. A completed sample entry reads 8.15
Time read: 8.30
